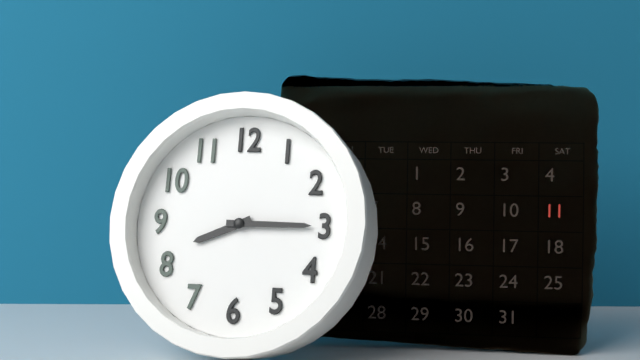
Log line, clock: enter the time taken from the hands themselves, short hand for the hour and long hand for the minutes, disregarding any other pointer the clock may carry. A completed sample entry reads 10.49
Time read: 8.15
